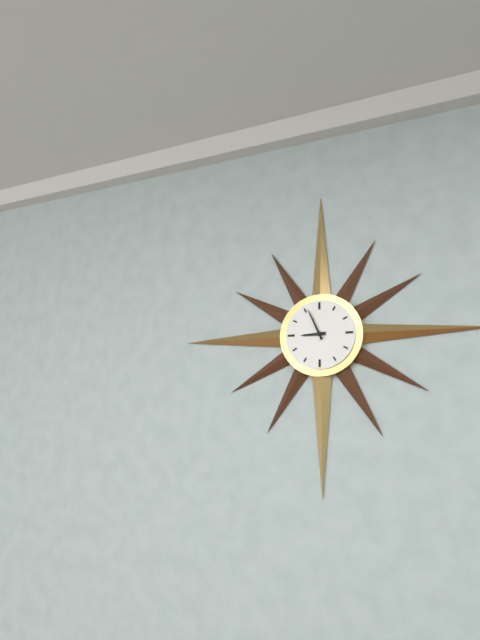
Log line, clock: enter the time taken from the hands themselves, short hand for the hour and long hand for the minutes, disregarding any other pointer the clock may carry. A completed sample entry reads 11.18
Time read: 8.56
